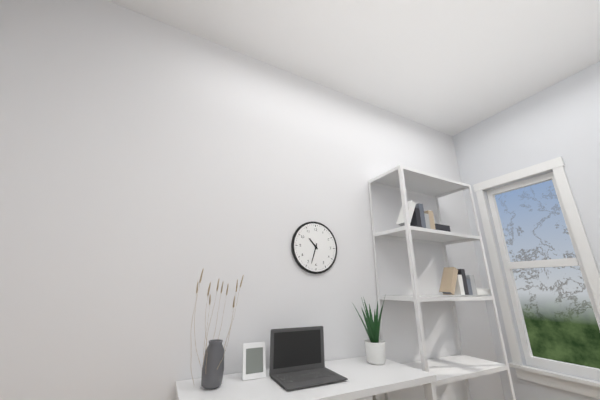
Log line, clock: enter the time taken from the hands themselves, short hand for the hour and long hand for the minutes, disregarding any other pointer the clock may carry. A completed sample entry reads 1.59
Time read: 10.33
